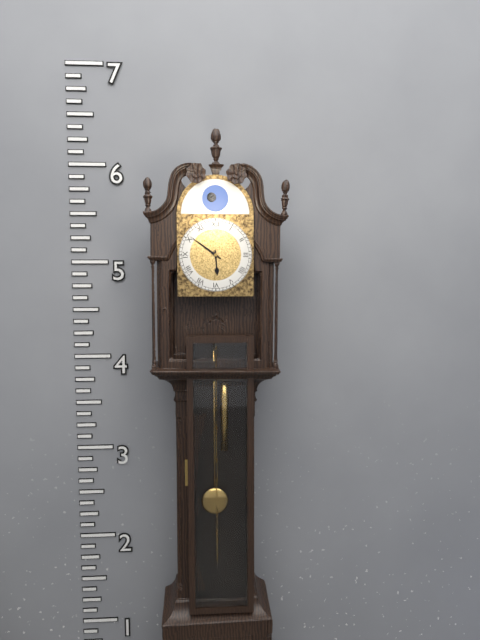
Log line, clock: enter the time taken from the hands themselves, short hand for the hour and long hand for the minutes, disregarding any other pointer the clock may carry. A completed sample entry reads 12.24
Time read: 5.51
